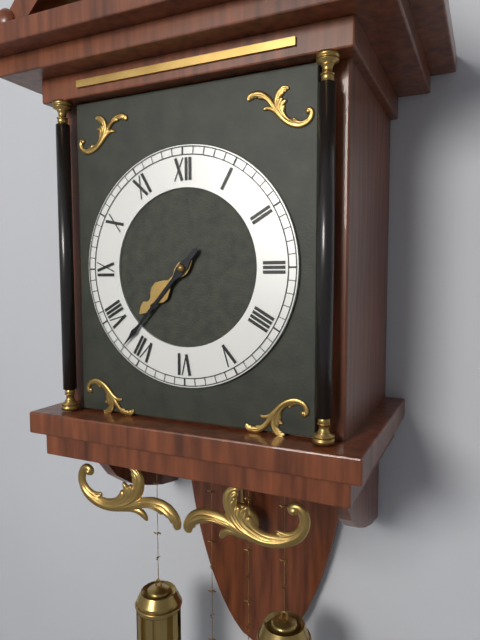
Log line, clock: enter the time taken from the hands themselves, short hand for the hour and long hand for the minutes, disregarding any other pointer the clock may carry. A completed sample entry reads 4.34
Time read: 7.37
